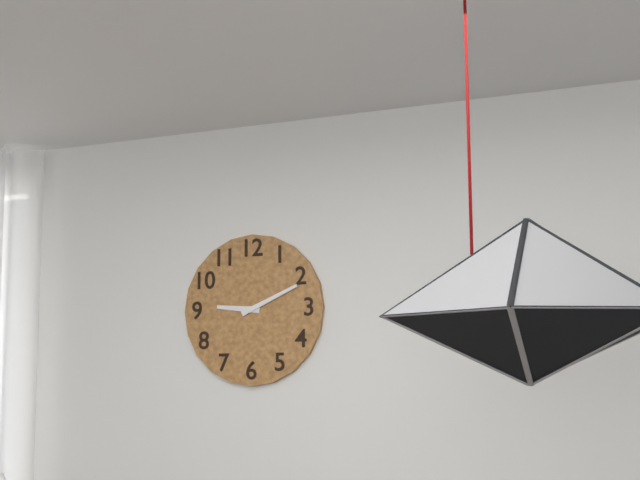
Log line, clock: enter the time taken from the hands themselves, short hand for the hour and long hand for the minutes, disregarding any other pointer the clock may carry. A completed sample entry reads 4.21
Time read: 9.11
